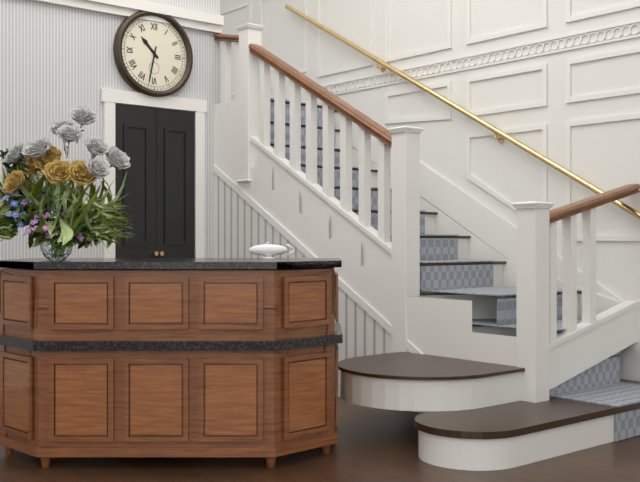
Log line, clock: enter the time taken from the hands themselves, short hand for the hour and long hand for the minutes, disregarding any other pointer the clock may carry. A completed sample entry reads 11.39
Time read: 10.32
